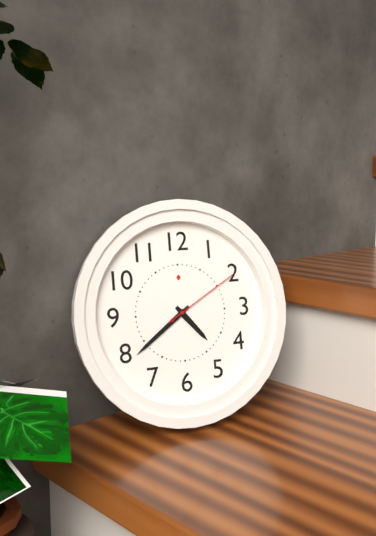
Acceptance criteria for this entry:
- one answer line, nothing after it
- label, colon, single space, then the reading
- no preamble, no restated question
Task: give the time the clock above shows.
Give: 4:39:10
